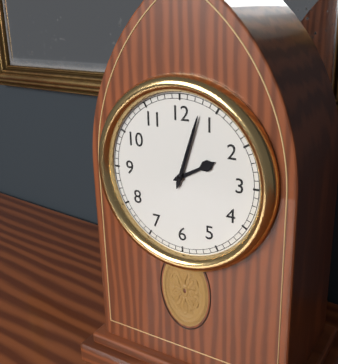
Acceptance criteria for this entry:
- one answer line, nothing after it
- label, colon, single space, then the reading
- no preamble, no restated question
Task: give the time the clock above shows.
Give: 2:03
